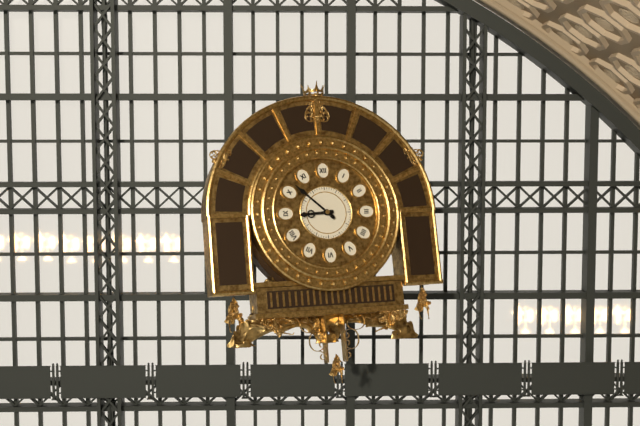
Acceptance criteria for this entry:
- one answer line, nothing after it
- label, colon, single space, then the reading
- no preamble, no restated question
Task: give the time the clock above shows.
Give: 8:52
